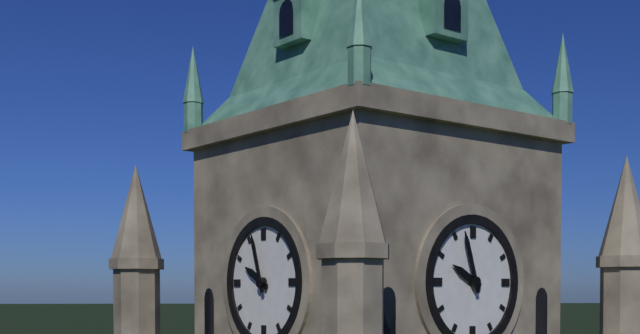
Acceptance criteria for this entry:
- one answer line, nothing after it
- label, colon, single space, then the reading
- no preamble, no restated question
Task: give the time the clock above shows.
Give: 9:57
